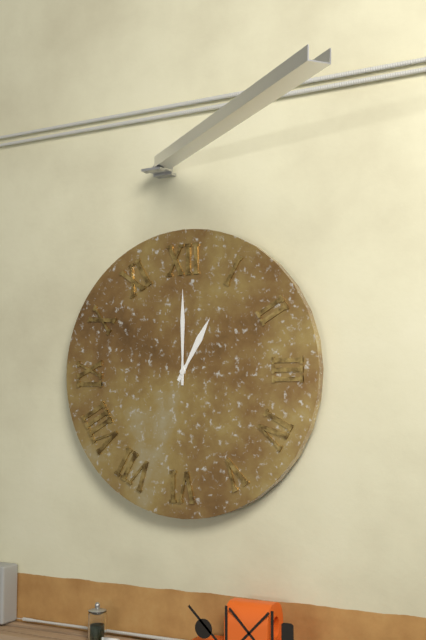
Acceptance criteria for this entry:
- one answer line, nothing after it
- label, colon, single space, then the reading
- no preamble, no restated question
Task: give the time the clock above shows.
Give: 1:00
